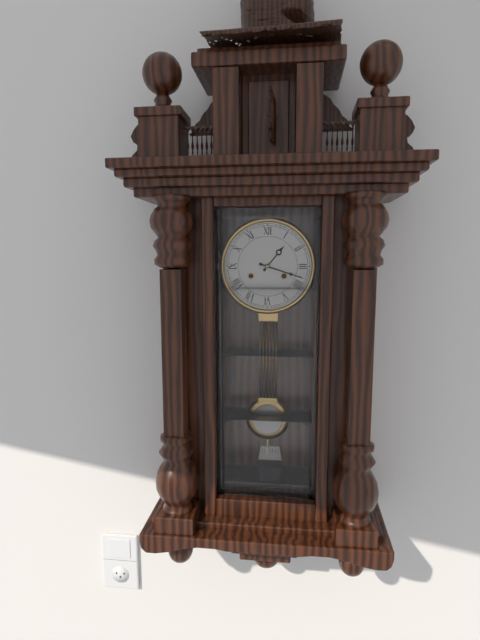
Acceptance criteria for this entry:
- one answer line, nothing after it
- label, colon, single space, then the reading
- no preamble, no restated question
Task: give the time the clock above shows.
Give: 1:18
